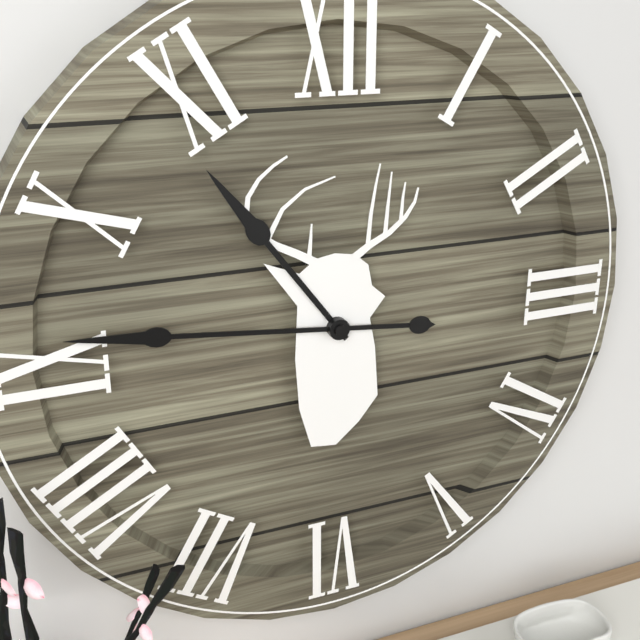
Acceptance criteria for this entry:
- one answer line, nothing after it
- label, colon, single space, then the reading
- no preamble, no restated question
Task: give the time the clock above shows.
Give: 10:46
